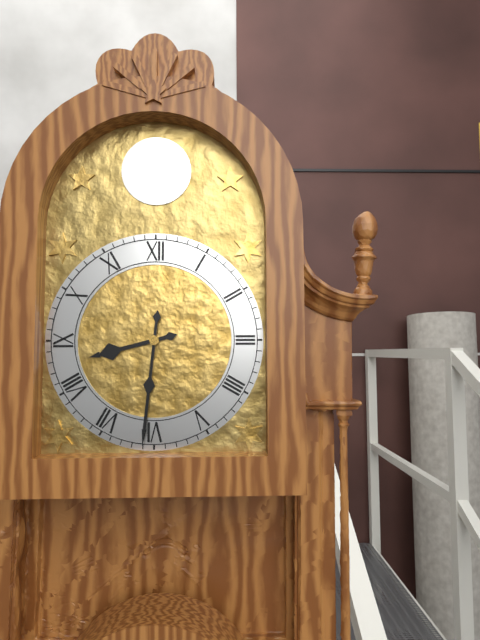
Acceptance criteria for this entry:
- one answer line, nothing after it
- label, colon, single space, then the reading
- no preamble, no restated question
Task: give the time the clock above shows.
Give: 8:31
